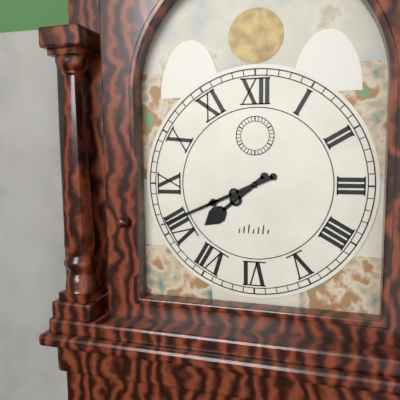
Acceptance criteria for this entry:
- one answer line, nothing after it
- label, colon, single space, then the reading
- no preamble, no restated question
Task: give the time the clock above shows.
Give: 7:41
